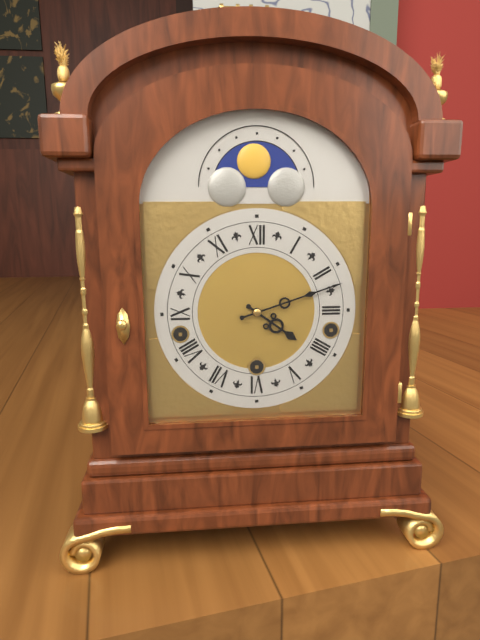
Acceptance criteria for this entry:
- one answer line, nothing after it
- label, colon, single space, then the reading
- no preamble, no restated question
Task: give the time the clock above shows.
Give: 4:12
